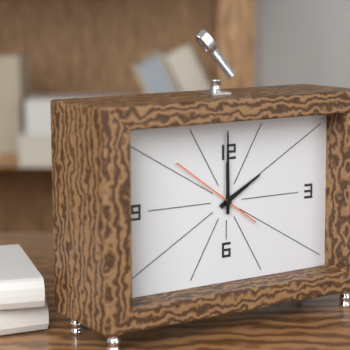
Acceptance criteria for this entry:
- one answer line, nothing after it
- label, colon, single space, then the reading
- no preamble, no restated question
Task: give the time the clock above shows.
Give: 2:00:51
